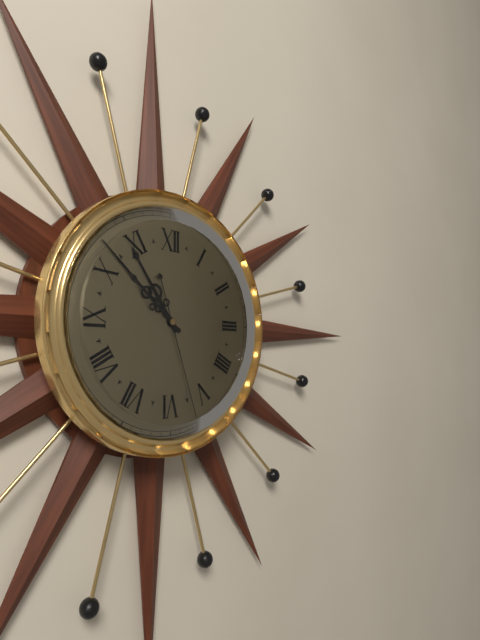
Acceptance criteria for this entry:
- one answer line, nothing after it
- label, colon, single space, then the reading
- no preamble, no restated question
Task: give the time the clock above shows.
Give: 10:52:27
